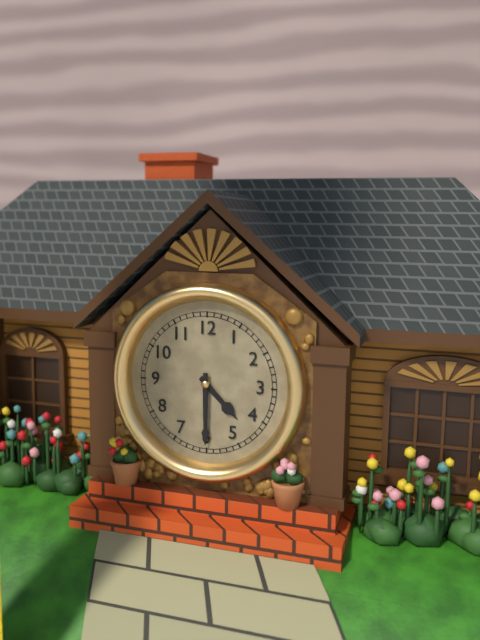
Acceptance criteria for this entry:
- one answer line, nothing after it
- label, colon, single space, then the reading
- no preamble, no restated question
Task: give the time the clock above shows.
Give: 4:30
